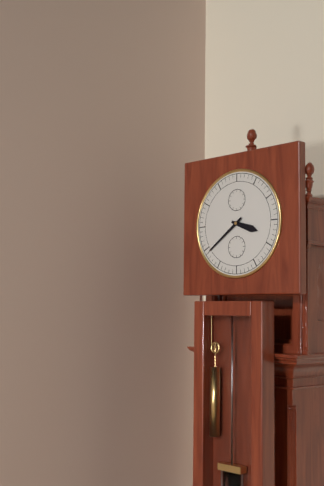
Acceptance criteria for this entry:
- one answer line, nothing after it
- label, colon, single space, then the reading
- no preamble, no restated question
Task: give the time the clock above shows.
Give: 3:39
